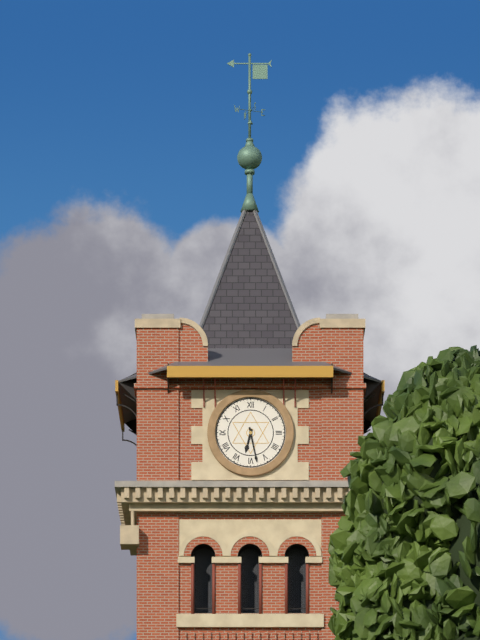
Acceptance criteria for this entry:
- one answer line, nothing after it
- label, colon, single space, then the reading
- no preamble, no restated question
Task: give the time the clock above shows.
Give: 6:28
